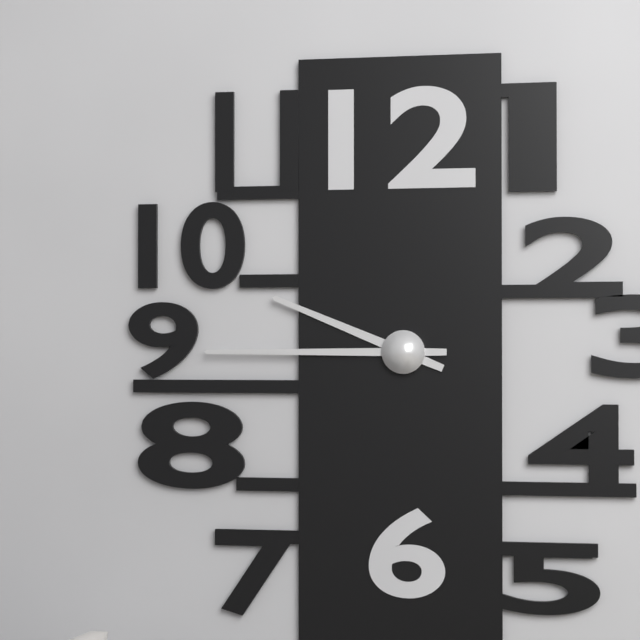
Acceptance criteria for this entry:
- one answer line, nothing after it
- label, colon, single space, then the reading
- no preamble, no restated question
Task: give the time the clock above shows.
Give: 9:45
